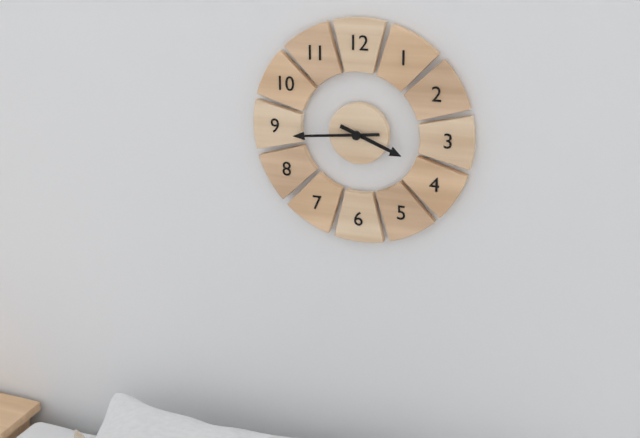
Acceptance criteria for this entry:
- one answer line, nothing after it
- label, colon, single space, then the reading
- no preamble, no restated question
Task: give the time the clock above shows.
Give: 3:44
